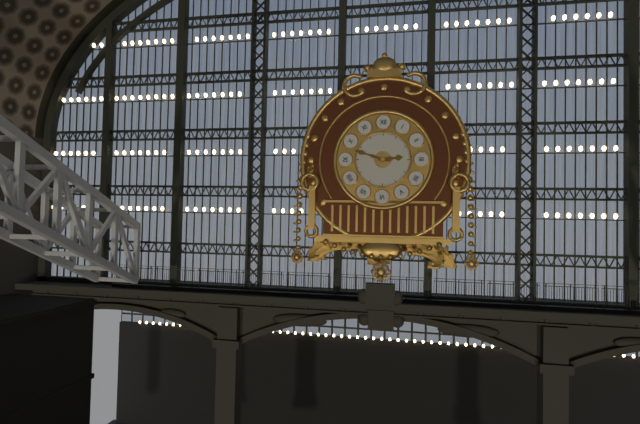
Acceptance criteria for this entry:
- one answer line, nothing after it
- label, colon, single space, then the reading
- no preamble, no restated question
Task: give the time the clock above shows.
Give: 2:48
